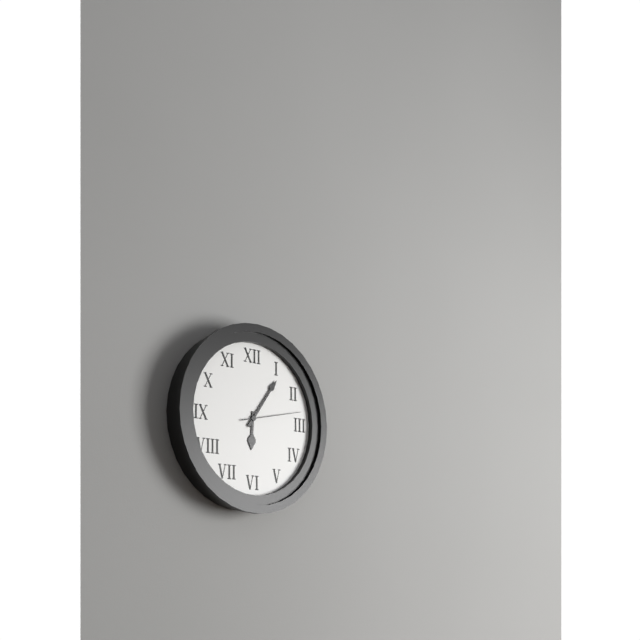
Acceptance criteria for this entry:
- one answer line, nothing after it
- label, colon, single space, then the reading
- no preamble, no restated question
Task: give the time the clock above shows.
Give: 6:06:13
